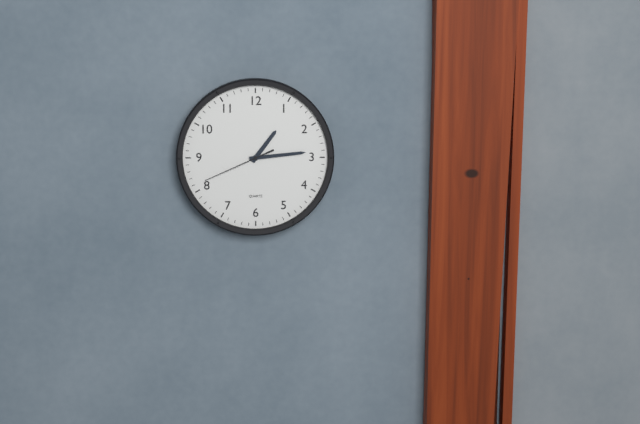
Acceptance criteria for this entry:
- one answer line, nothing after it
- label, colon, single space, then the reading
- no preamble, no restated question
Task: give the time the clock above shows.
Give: 1:14:41
